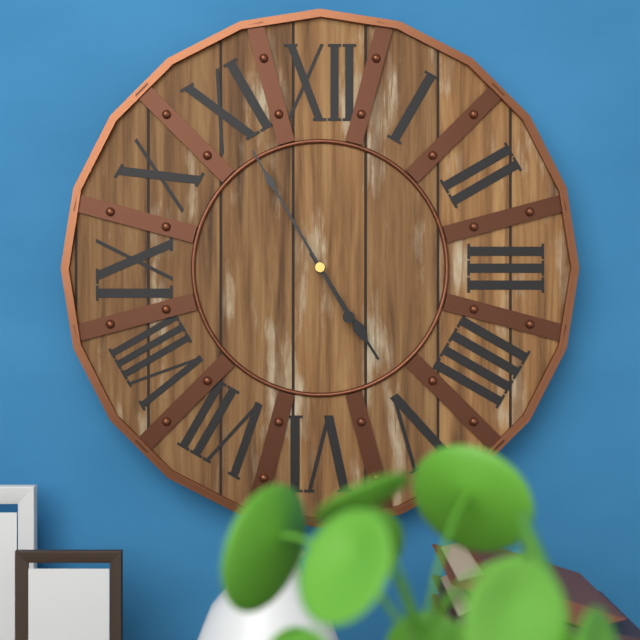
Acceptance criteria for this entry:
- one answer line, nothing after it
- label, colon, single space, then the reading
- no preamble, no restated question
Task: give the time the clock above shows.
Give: 4:55
